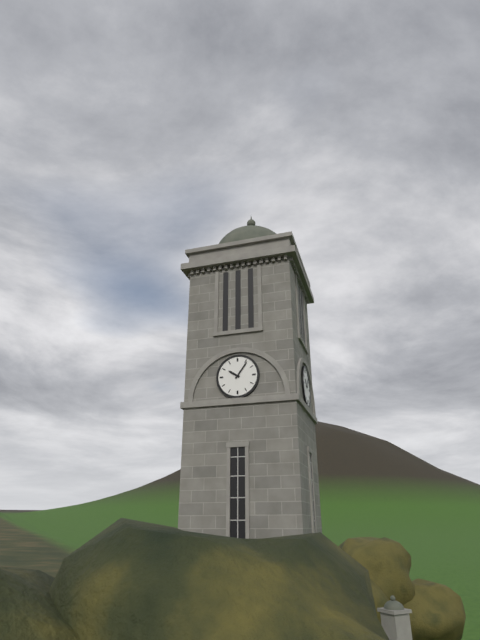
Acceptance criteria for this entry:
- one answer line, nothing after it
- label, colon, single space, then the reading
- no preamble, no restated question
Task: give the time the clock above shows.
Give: 10:06
